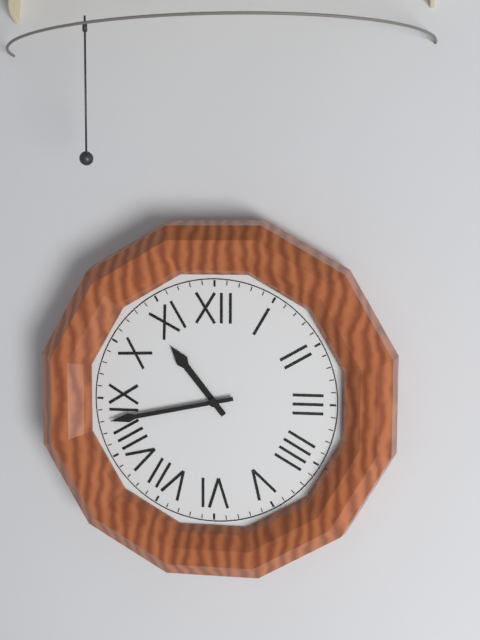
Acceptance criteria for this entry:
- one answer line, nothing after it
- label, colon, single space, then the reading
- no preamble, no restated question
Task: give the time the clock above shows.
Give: 10:43
